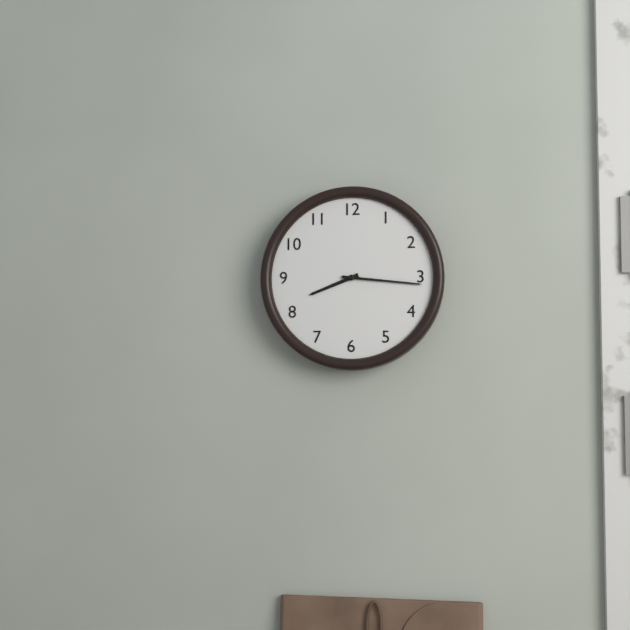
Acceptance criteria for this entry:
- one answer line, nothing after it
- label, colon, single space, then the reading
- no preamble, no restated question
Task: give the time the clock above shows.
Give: 8:16
